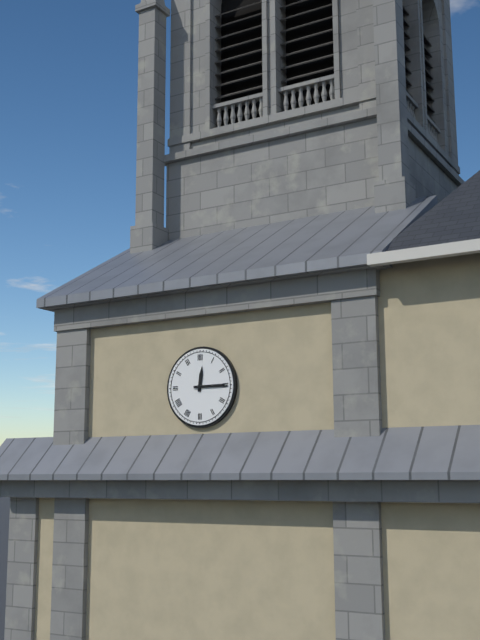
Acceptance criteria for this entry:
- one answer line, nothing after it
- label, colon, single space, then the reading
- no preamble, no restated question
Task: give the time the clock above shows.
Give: 12:15
